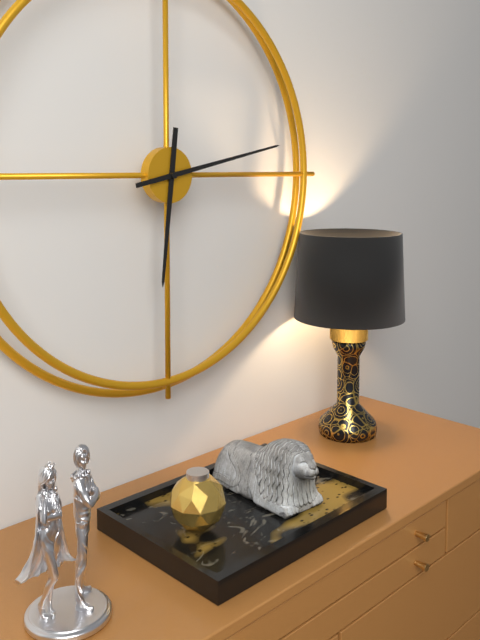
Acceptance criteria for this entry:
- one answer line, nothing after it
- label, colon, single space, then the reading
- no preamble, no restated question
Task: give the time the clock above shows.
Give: 6:13
